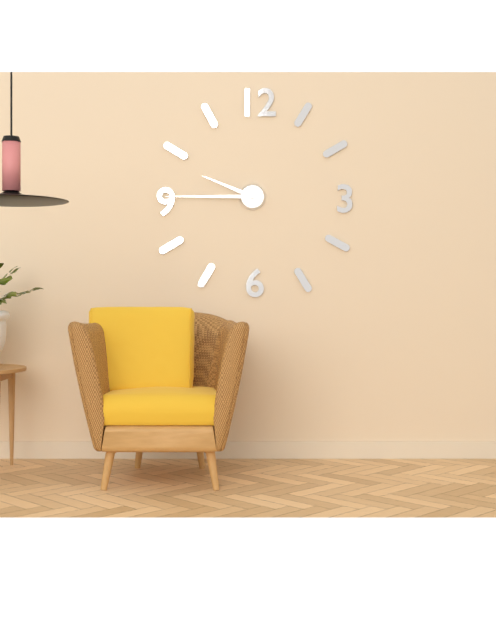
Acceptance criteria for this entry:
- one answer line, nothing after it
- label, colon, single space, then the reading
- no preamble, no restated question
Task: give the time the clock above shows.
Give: 9:45
